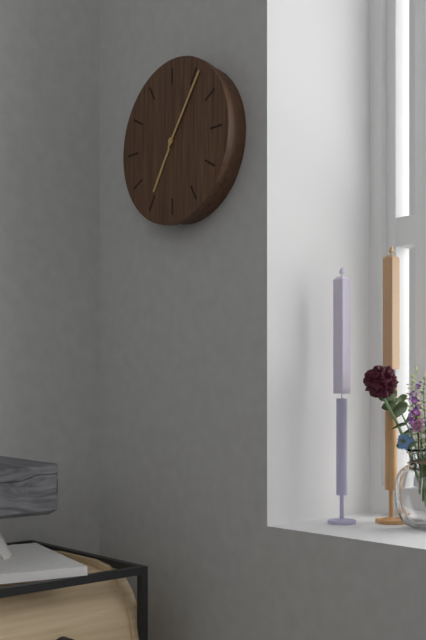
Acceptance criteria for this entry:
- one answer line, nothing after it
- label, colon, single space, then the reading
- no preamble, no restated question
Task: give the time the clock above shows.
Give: 7:06
